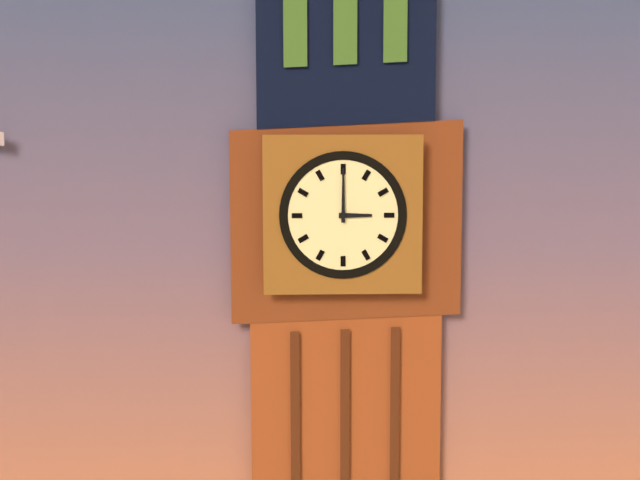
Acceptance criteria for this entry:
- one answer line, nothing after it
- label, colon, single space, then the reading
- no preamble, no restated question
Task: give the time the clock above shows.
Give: 3:00
